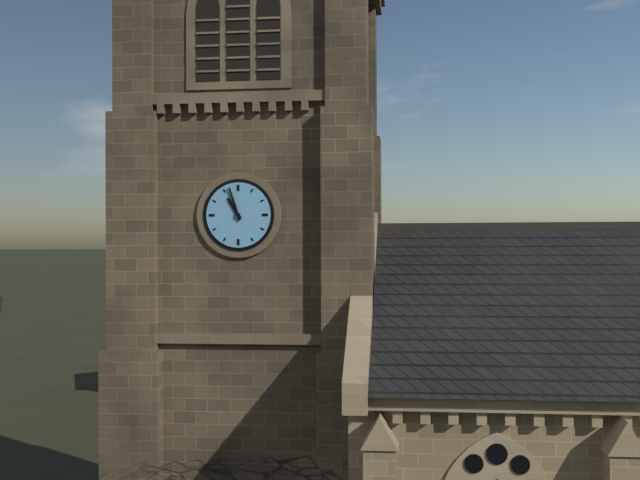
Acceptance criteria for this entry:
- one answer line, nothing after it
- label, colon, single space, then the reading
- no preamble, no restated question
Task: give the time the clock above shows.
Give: 10:57
